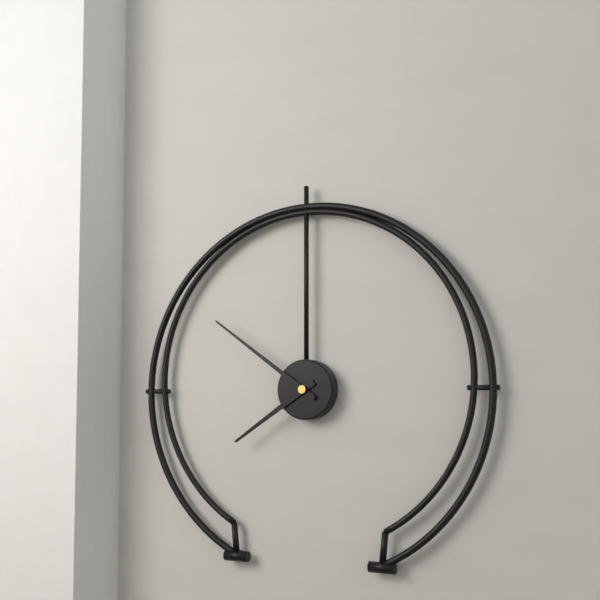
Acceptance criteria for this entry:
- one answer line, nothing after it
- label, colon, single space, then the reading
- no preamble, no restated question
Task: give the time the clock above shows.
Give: 7:51
